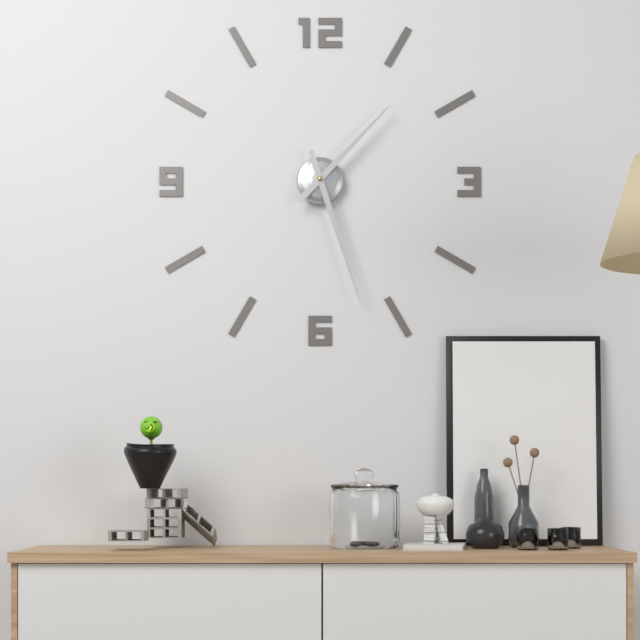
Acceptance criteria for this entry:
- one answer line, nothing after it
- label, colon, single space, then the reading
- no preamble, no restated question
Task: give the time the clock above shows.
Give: 1:27
